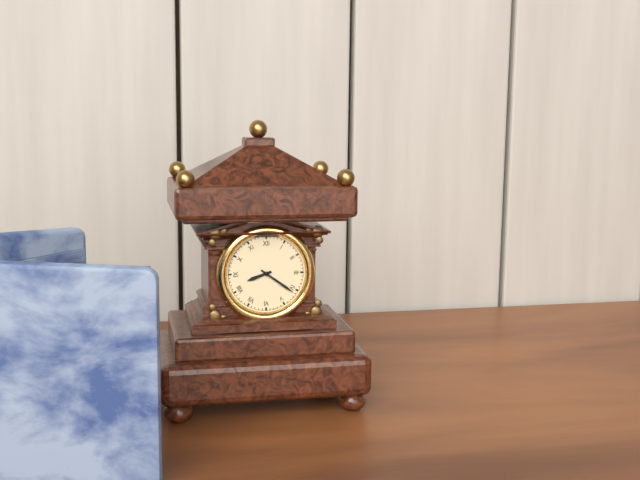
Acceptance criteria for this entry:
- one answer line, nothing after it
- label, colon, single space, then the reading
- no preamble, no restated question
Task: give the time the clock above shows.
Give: 8:21
